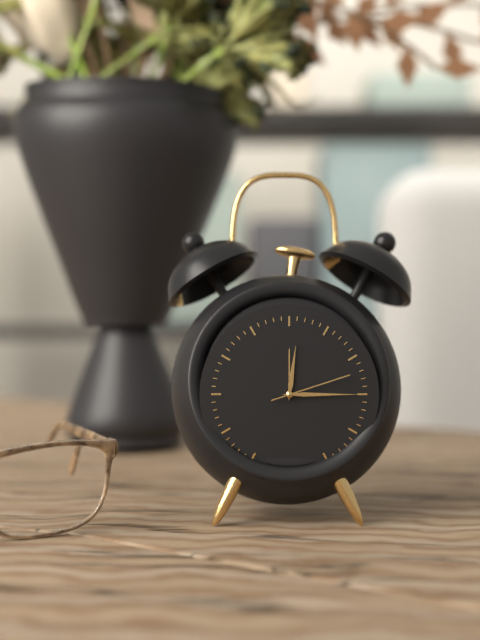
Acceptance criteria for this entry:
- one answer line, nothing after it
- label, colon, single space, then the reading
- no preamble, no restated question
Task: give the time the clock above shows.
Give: 12:15:12
